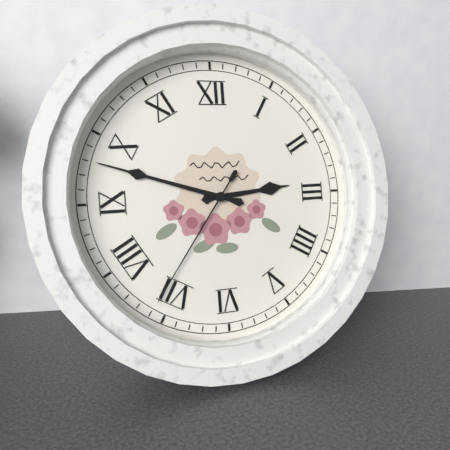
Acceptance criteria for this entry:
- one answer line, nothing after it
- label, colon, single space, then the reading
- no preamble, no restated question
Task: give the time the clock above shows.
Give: 2:48:36
